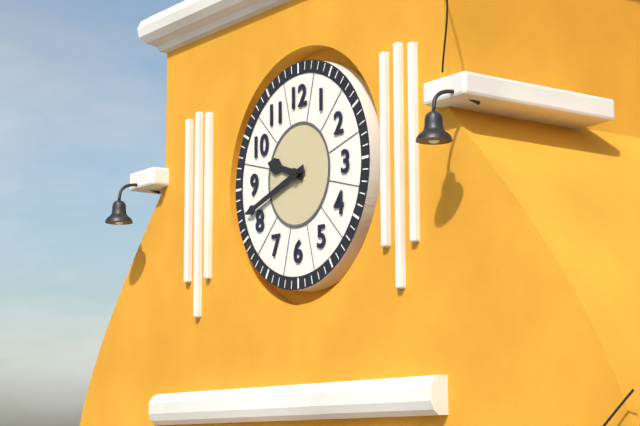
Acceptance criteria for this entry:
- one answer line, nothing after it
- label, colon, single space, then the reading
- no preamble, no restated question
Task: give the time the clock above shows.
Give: 9:42
